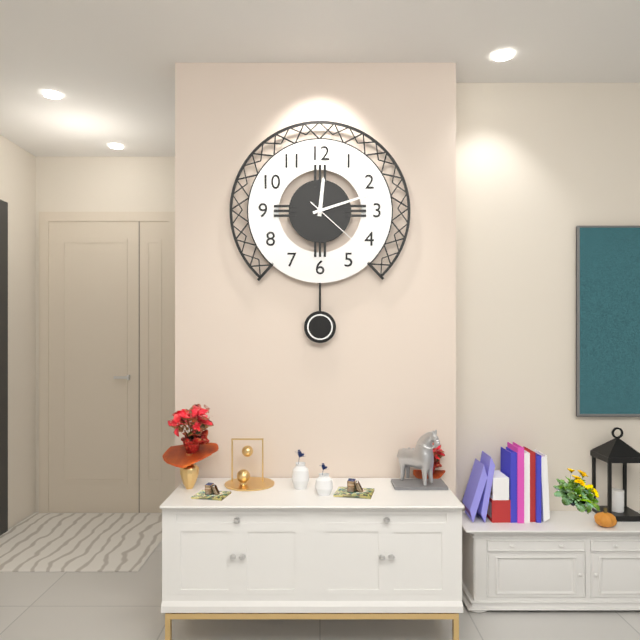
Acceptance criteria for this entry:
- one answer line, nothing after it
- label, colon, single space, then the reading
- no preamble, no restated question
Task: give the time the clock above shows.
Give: 12:12:22
